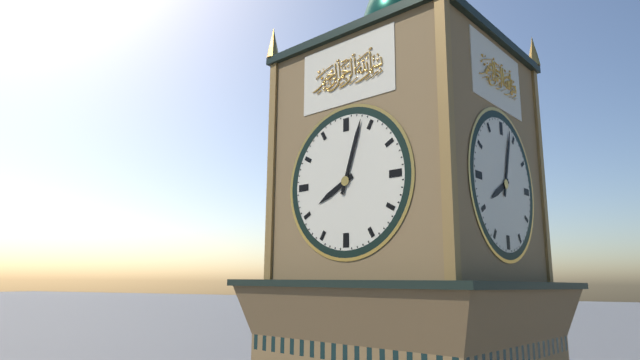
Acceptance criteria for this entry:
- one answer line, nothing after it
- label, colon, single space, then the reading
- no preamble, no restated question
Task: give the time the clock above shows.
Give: 8:03
